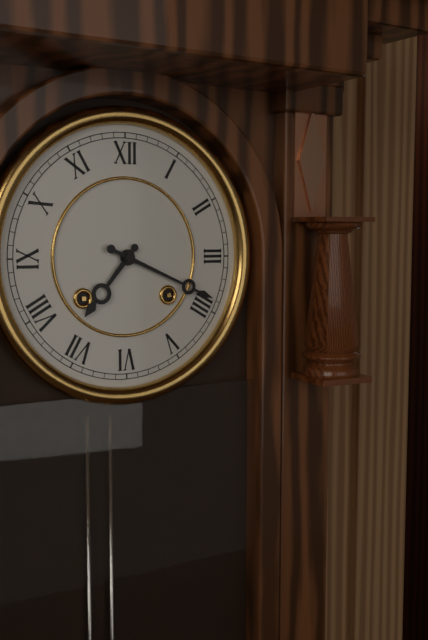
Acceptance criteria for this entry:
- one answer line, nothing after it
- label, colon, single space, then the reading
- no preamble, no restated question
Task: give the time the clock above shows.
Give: 7:19
